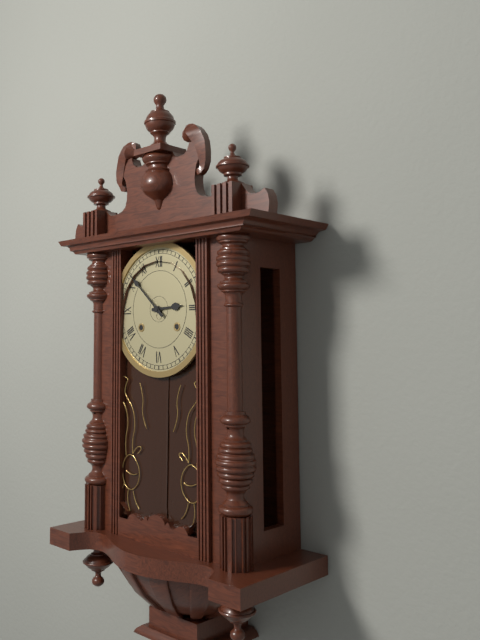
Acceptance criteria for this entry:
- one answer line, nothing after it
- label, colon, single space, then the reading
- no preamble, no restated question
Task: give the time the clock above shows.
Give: 2:52
